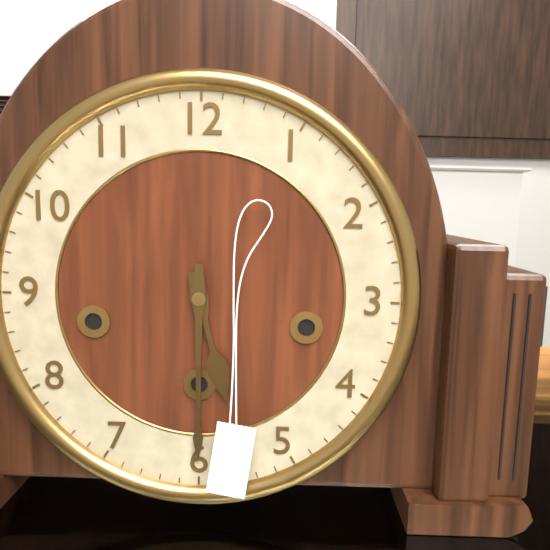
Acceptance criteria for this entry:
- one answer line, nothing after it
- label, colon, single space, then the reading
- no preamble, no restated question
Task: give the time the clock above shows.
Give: 5:30
